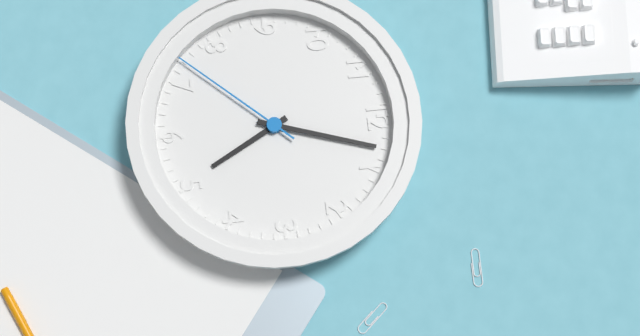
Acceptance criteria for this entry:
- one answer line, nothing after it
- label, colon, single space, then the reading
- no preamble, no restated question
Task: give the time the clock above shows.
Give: 5:03:37
